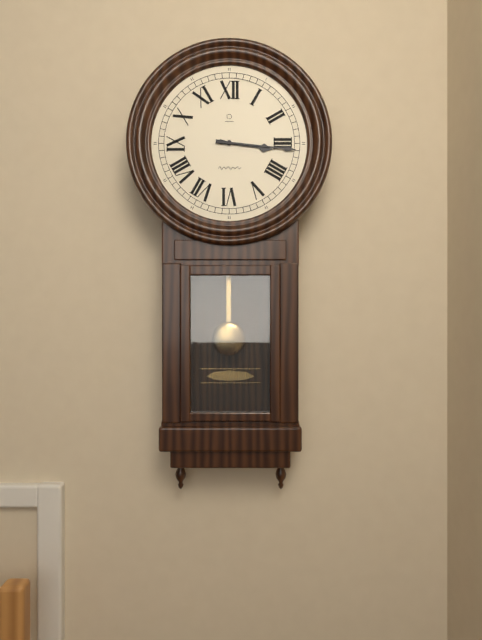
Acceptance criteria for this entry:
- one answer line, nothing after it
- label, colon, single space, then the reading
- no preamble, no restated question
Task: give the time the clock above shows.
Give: 3:16
